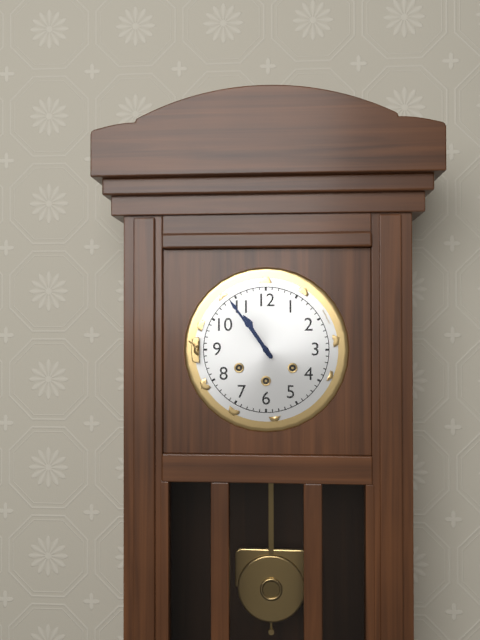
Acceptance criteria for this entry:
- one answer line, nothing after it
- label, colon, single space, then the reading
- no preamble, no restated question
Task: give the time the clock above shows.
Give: 10:54
